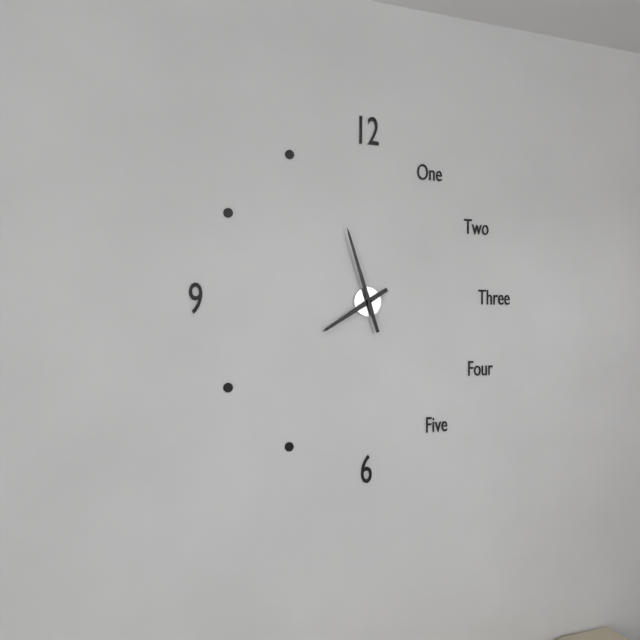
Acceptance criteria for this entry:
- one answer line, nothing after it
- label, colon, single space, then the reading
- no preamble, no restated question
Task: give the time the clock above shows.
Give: 7:57
